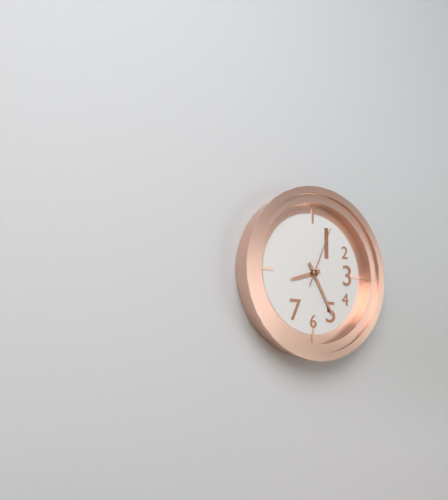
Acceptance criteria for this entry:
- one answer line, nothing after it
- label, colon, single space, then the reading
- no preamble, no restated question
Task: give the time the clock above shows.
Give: 8:25:04
